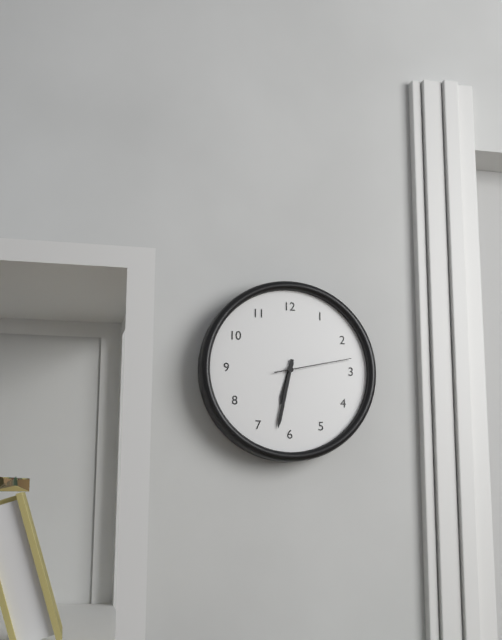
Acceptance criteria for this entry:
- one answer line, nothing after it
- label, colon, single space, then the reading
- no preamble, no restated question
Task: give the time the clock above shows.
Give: 6:32:13
